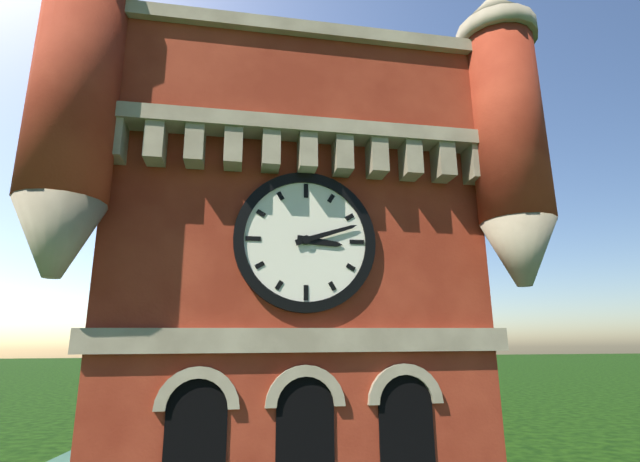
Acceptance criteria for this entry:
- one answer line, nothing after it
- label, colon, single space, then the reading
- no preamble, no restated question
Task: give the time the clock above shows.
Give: 3:12
